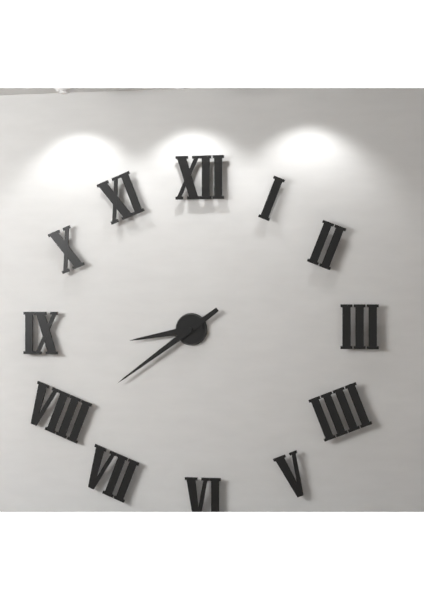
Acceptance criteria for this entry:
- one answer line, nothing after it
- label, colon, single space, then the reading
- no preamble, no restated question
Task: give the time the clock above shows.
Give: 8:39
